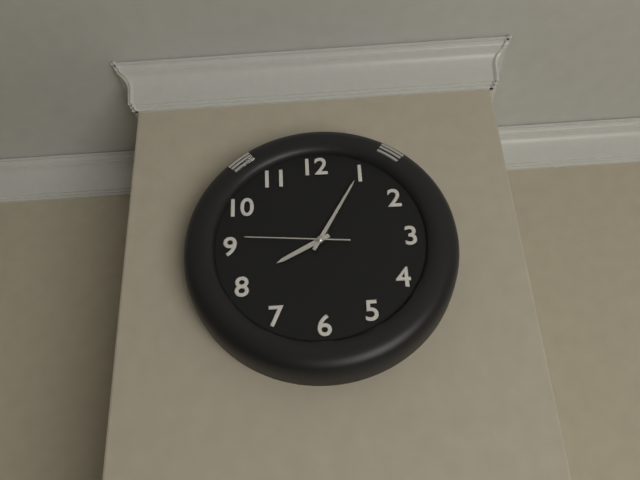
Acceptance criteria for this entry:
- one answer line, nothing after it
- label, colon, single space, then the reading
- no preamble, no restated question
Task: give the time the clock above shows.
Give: 8:05:46
